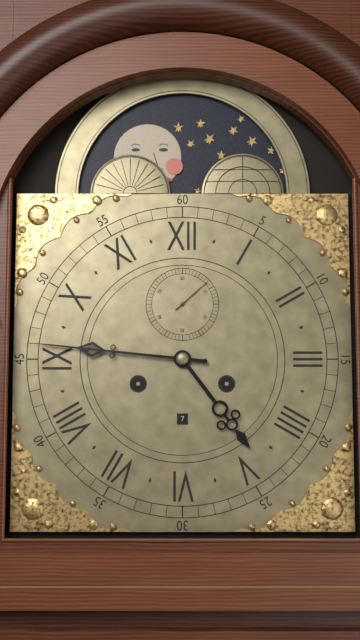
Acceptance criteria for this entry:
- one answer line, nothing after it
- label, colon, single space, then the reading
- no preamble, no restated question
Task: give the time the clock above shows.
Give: 4:46
